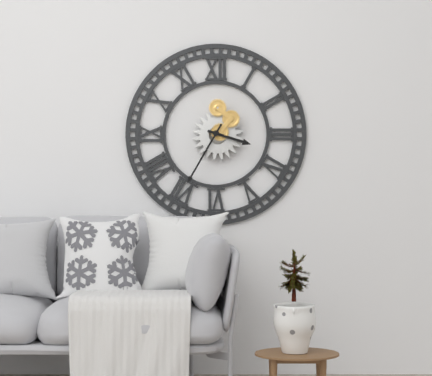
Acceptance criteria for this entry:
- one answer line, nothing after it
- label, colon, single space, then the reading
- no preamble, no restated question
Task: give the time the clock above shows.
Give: 3:35
